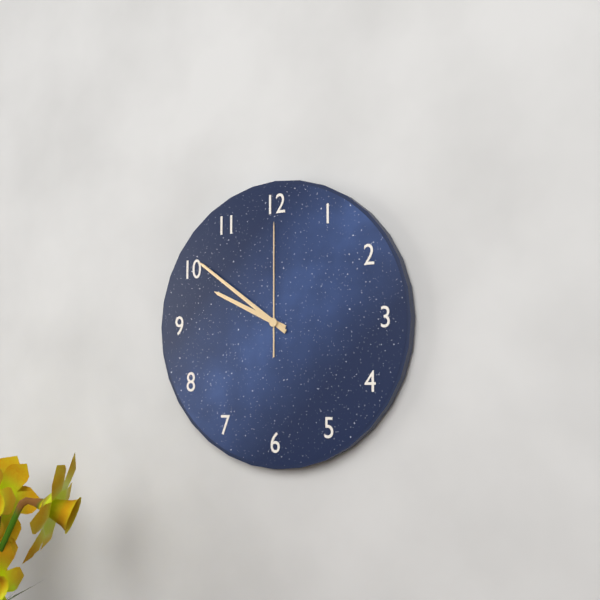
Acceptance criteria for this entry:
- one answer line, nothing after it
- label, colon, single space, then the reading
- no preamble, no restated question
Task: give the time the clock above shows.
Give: 9:51:00
